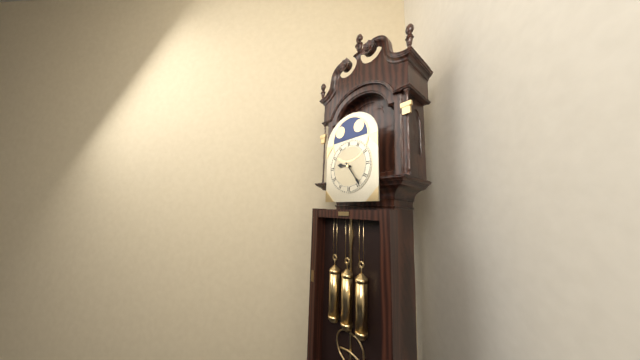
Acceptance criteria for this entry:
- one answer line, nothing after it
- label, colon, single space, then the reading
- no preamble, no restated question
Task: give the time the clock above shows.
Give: 9:24
